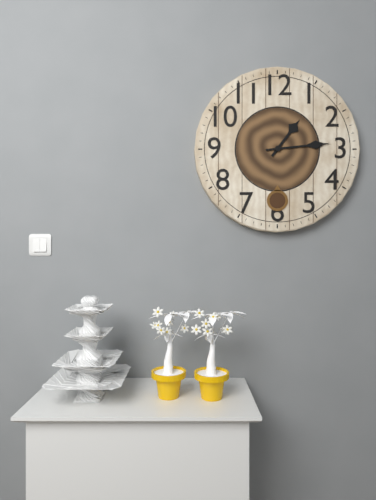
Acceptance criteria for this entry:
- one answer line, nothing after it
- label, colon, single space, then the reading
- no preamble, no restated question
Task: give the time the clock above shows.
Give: 1:14
